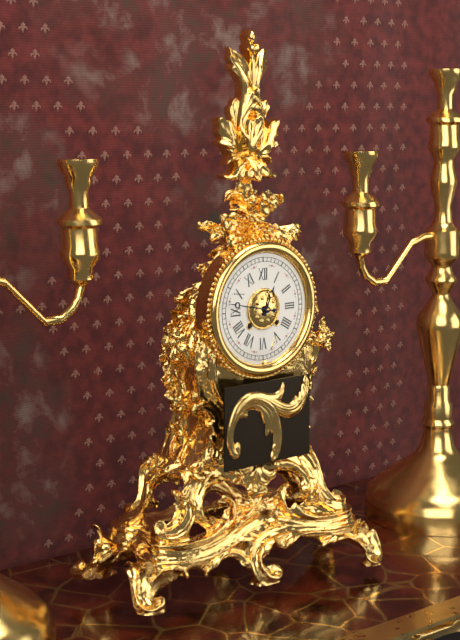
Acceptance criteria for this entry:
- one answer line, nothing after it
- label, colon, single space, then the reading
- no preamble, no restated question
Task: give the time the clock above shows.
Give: 12:47
